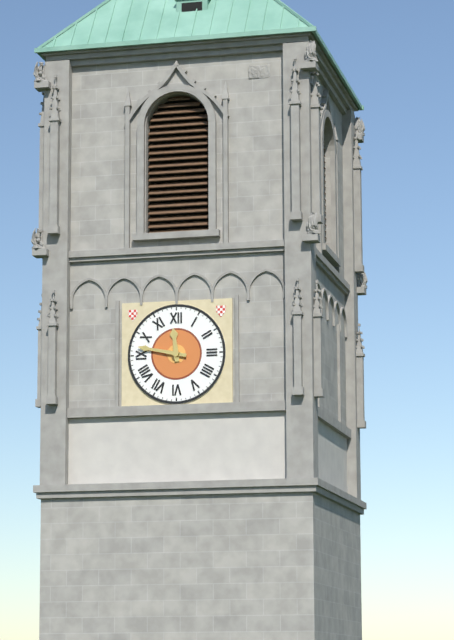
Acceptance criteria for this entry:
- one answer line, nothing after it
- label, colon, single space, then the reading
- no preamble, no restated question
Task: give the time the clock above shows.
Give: 11:47
